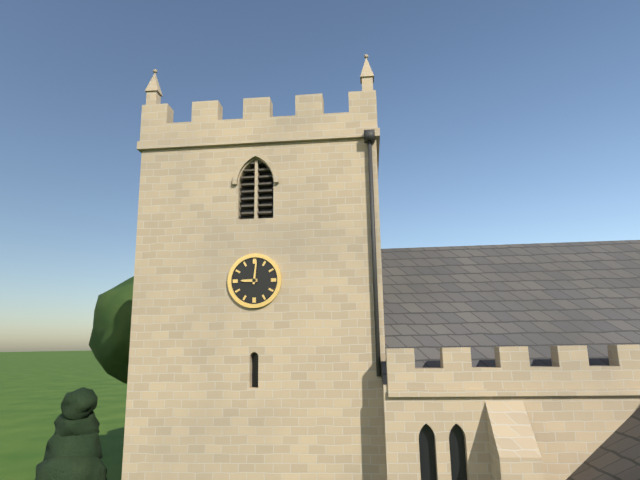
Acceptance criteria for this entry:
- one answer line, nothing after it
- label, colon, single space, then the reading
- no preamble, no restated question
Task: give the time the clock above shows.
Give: 9:01
